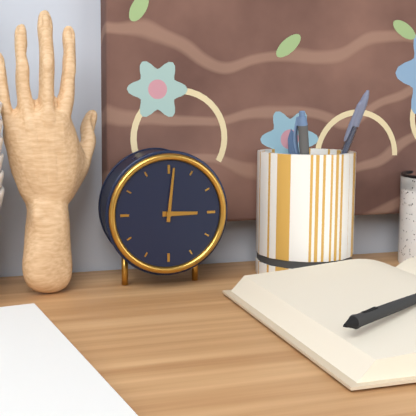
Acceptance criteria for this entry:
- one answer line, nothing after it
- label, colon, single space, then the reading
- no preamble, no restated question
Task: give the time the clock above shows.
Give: 3:01
